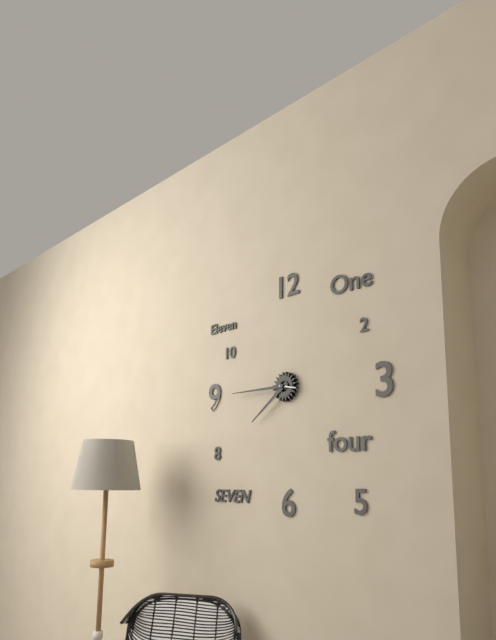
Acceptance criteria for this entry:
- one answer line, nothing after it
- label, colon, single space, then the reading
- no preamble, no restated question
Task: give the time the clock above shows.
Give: 7:45
